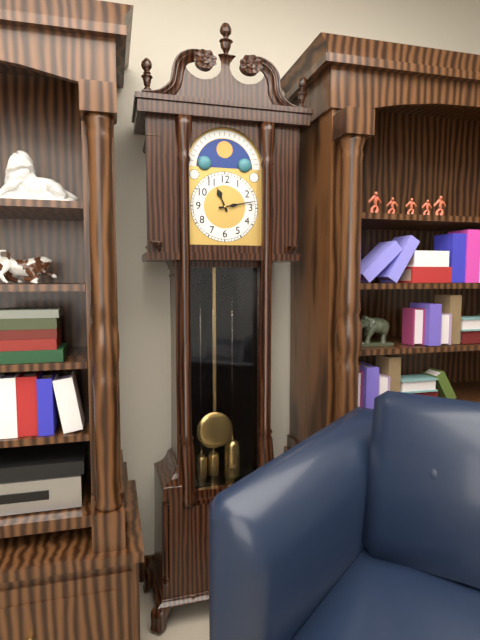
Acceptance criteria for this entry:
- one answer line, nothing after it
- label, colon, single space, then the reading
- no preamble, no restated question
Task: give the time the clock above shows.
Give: 11:13
